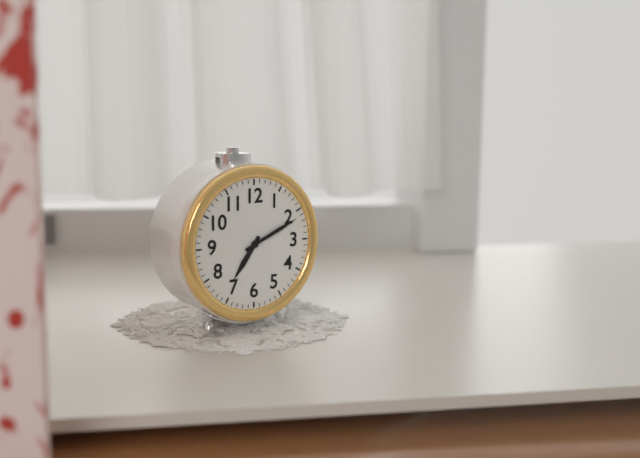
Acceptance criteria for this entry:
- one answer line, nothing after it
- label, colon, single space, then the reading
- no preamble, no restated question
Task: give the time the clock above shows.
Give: 7:11
